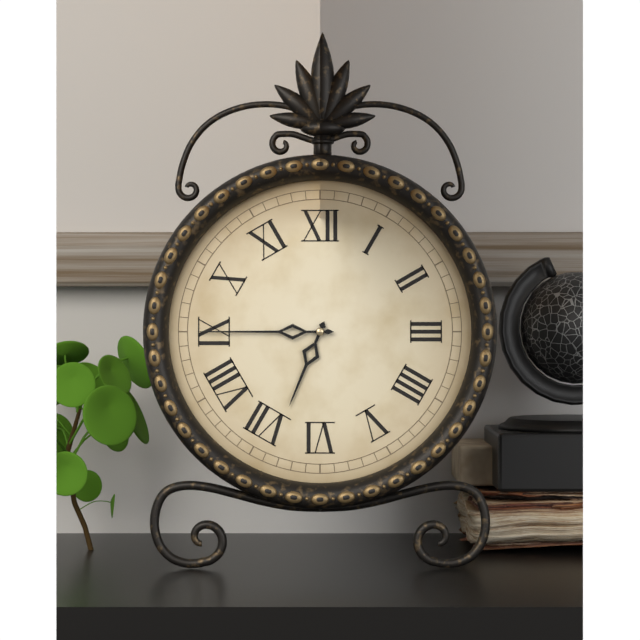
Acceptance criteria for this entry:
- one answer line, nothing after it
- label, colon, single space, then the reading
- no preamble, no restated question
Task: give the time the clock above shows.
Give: 6:45
